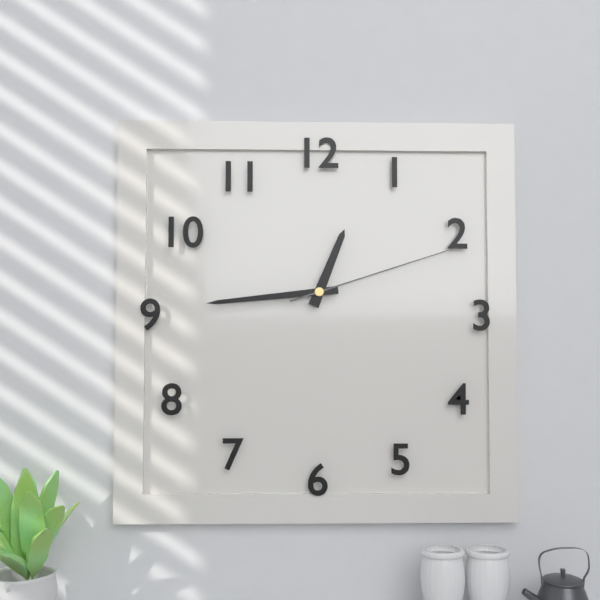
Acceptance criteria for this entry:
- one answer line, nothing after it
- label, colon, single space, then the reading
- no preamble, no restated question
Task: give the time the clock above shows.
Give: 12:44:12
